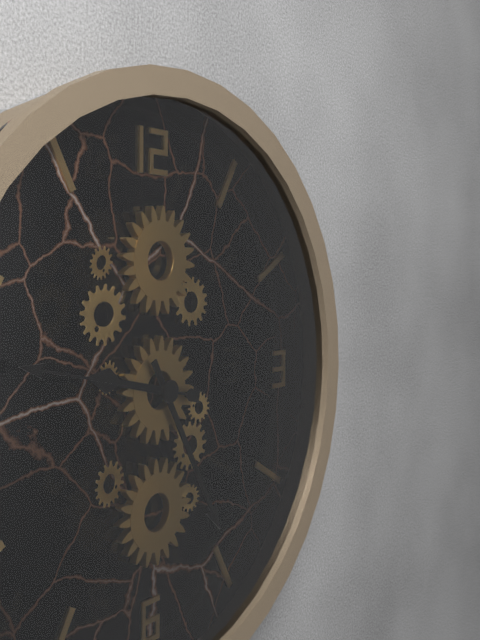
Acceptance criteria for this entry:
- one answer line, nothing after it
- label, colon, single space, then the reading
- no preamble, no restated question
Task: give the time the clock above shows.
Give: 9:25:47
